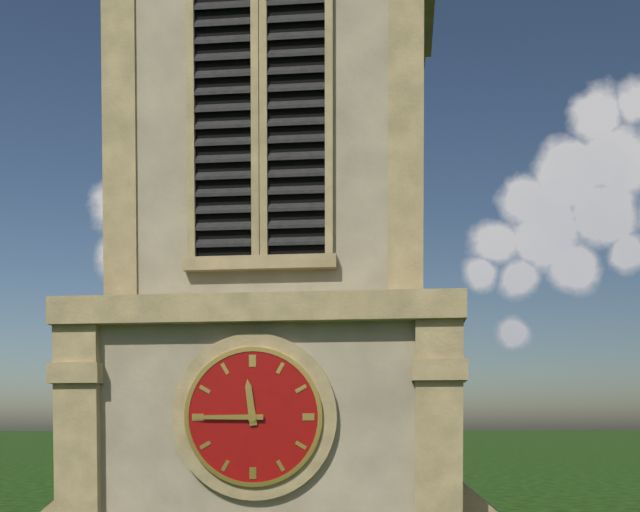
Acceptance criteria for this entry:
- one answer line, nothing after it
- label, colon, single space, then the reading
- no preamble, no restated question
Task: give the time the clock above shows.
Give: 11:45
